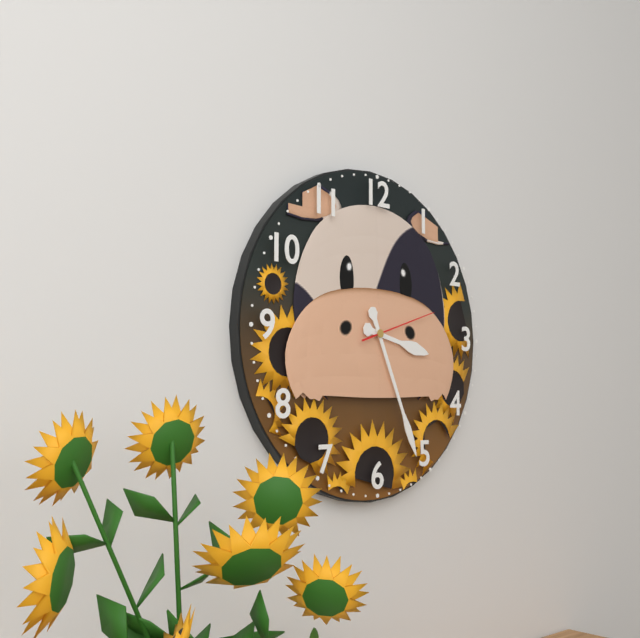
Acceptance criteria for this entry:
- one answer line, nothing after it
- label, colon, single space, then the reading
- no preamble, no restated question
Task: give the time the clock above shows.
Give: 3:26:12
